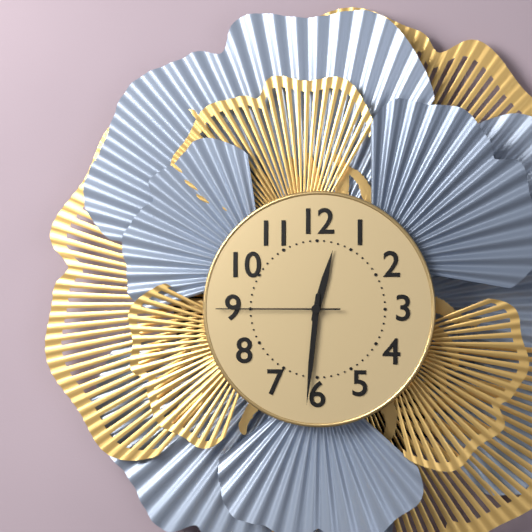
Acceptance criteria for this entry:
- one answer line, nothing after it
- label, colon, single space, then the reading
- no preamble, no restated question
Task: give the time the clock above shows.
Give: 12:31:45
